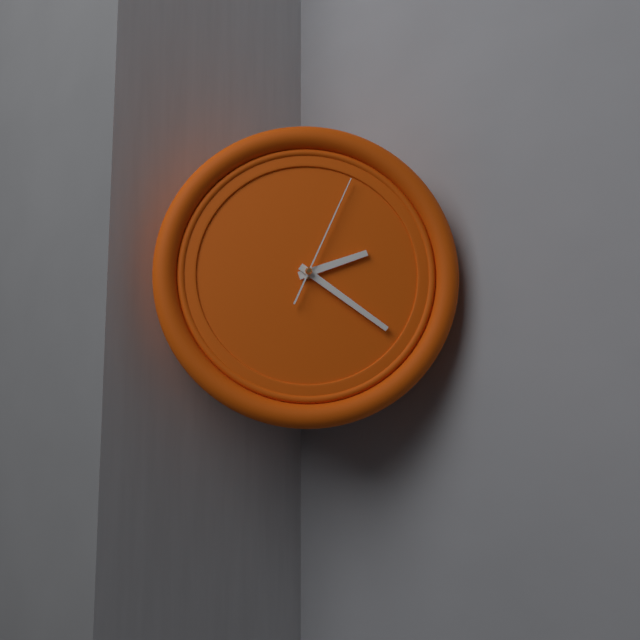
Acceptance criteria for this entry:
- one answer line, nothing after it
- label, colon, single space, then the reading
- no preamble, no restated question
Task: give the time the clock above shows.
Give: 2:21:04
